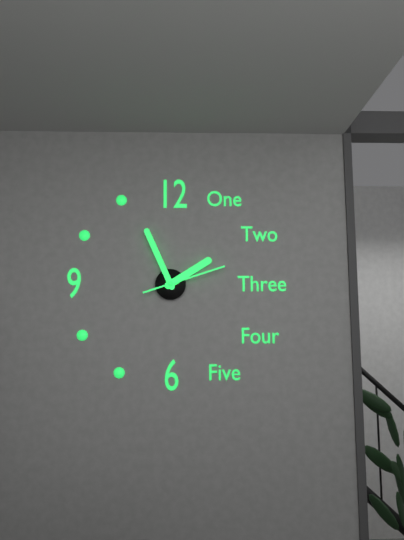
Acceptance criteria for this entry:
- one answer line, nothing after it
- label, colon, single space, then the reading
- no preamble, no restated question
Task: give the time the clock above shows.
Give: 1:56:12
